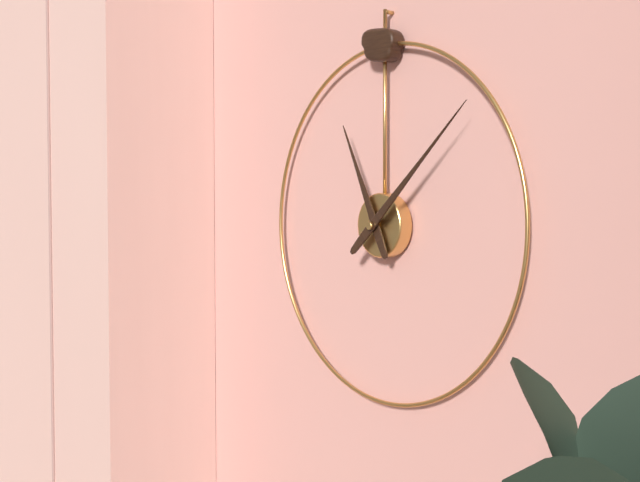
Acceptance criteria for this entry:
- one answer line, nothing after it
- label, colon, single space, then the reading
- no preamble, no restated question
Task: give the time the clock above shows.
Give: 11:08
